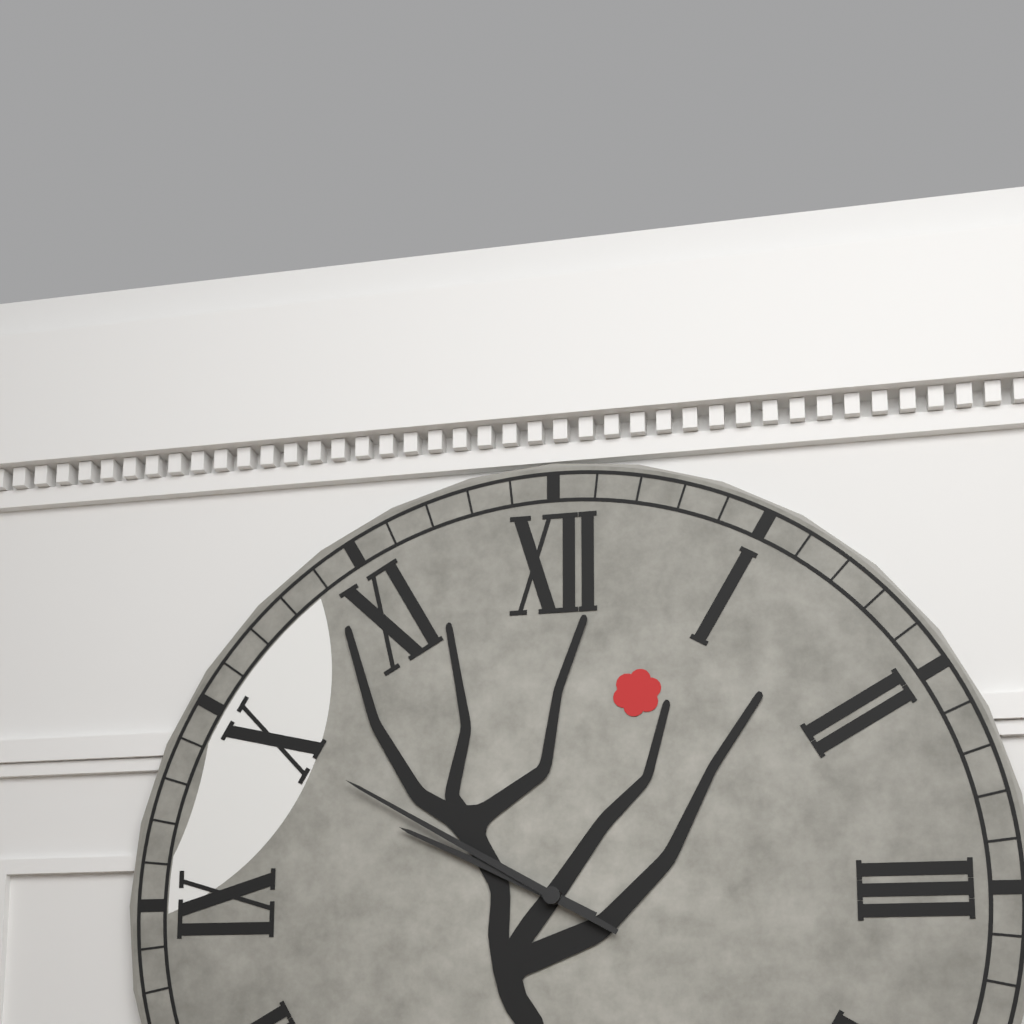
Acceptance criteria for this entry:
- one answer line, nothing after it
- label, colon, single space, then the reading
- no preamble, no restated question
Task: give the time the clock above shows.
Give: 9:50
